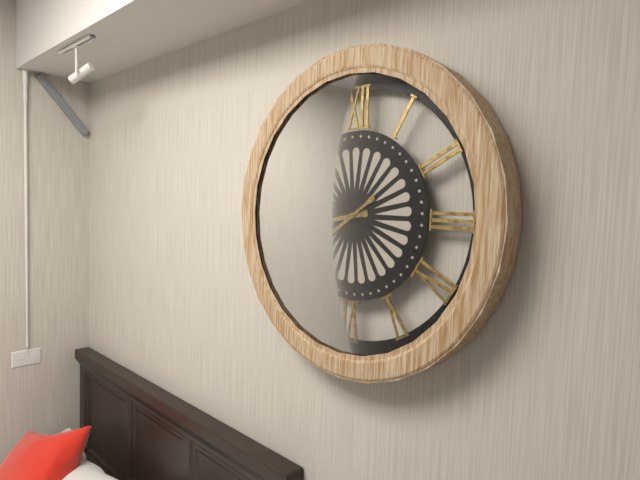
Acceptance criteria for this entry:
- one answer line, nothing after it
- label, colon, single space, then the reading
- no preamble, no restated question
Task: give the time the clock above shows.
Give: 8:39
